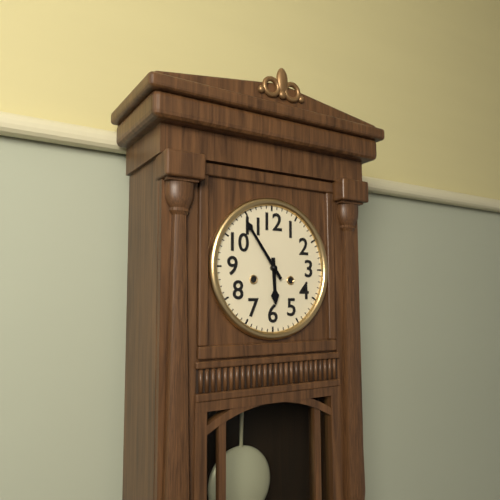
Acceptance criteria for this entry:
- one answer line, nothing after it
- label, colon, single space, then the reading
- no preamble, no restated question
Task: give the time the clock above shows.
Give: 5:54
